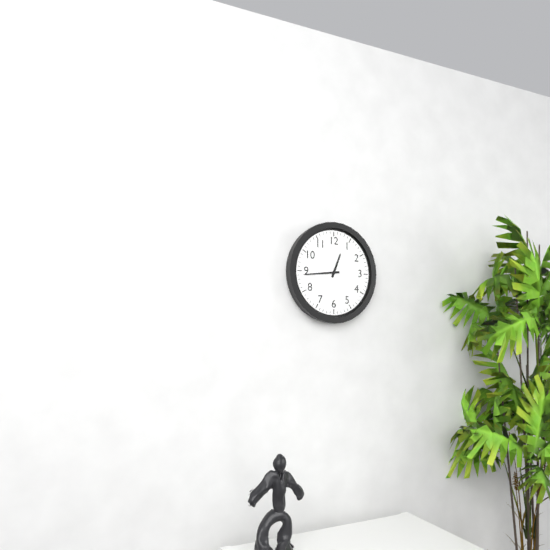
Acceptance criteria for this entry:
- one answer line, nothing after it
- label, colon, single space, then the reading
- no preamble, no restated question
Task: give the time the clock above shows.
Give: 12:44
